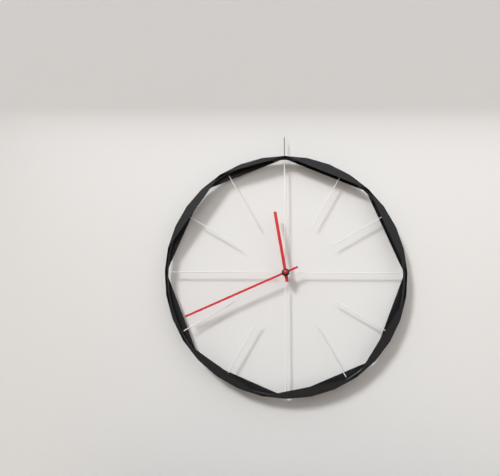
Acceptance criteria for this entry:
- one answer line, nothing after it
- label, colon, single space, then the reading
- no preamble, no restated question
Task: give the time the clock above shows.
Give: 11:41
